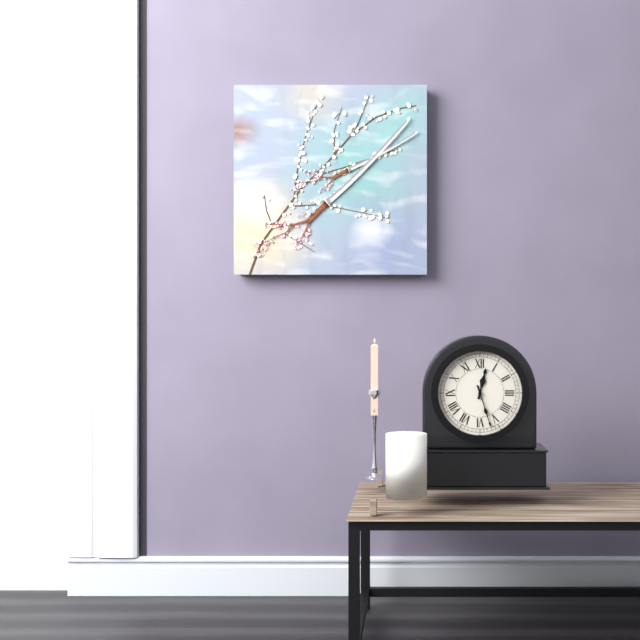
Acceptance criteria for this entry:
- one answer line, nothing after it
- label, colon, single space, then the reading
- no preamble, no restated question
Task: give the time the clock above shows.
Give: 12:27
